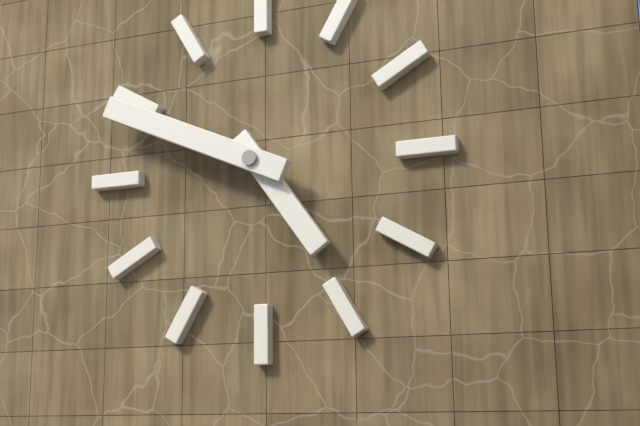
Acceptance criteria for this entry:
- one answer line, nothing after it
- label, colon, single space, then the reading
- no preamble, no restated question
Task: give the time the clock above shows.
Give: 4:49
